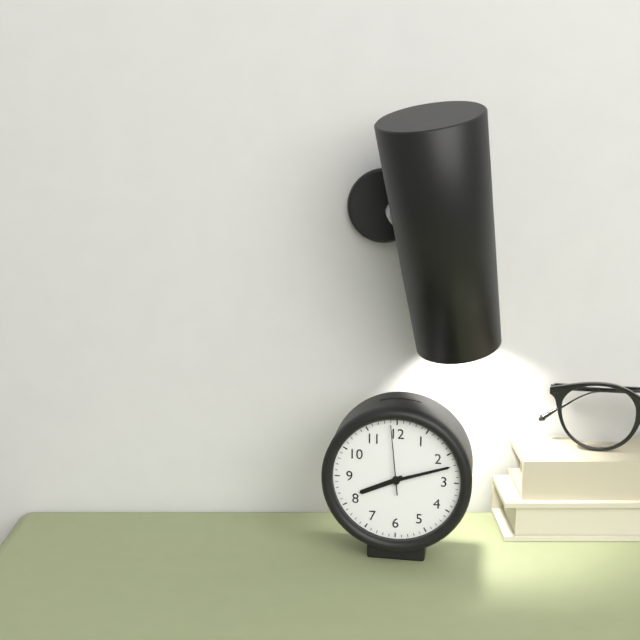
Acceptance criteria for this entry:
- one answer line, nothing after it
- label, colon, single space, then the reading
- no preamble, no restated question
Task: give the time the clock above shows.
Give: 8:12:59
